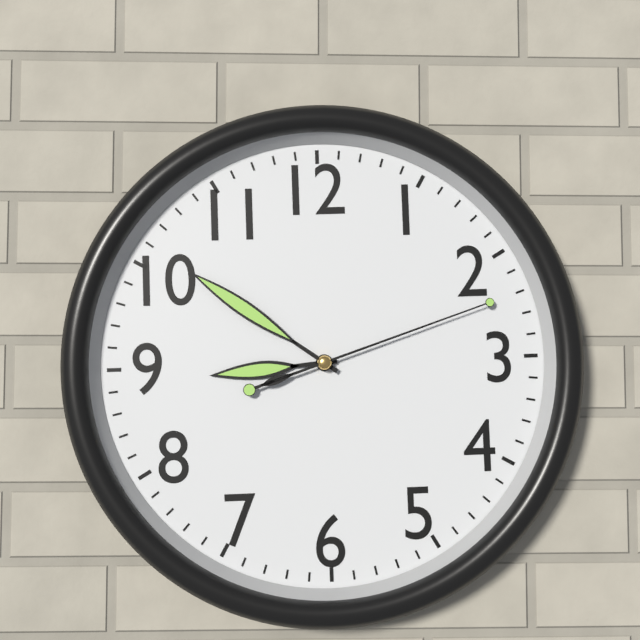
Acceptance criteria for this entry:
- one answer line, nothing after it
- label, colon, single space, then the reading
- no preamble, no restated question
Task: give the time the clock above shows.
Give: 8:51:12
